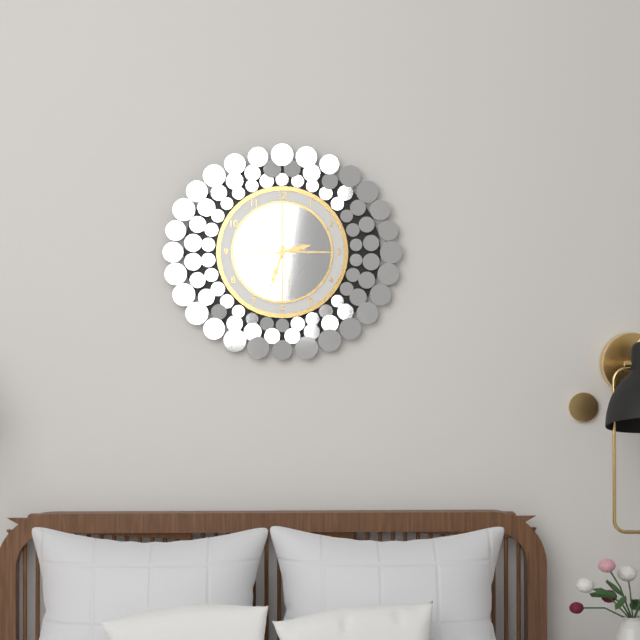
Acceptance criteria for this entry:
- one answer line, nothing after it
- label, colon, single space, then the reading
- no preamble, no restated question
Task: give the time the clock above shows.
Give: 2:33:28
